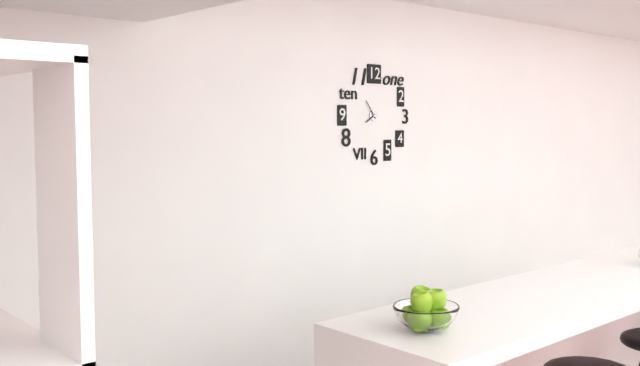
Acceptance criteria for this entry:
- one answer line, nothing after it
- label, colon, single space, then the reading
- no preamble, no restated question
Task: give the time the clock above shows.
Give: 7:54
